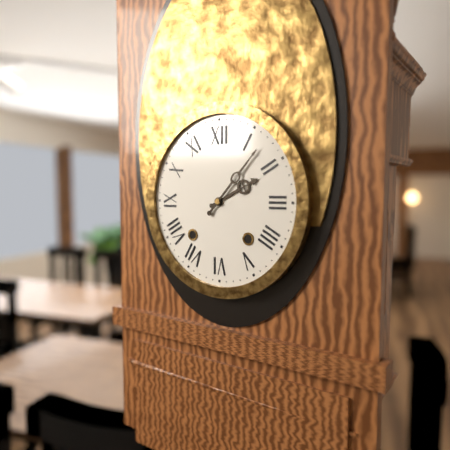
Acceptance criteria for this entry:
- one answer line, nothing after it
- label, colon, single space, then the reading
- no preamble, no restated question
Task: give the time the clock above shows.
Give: 2:07
